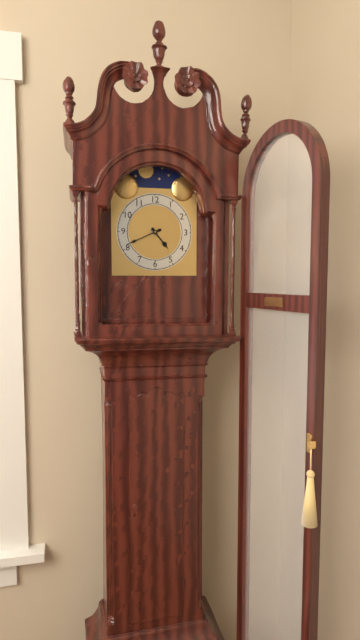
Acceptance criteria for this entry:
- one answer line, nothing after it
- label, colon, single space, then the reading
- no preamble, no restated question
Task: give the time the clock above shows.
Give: 4:41
